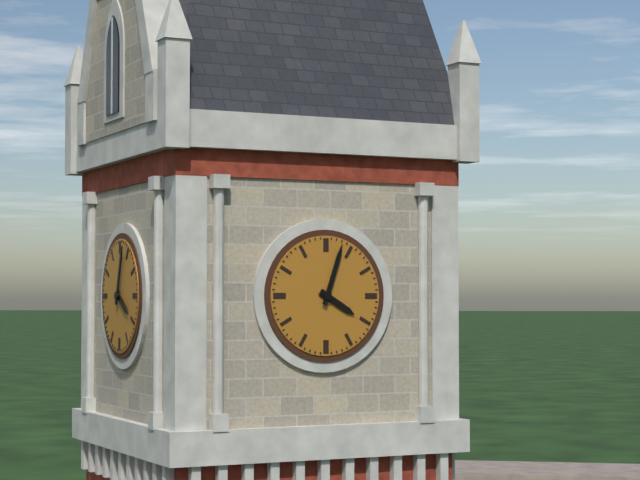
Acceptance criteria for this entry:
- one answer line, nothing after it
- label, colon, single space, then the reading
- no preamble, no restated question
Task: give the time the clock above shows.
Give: 4:03
